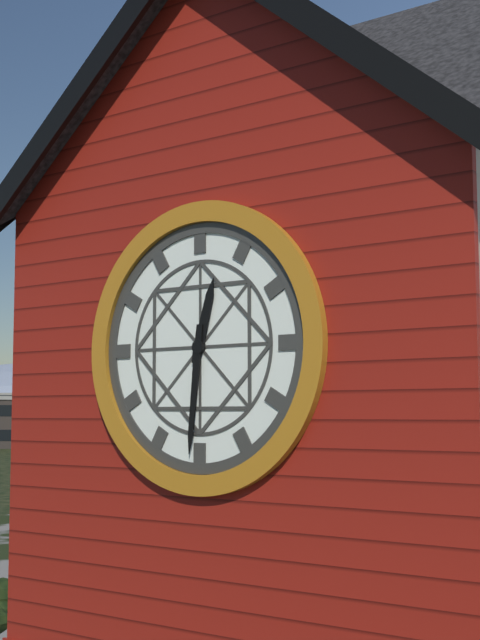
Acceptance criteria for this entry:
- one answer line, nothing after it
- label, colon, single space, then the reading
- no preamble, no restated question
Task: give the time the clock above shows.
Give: 12:31
